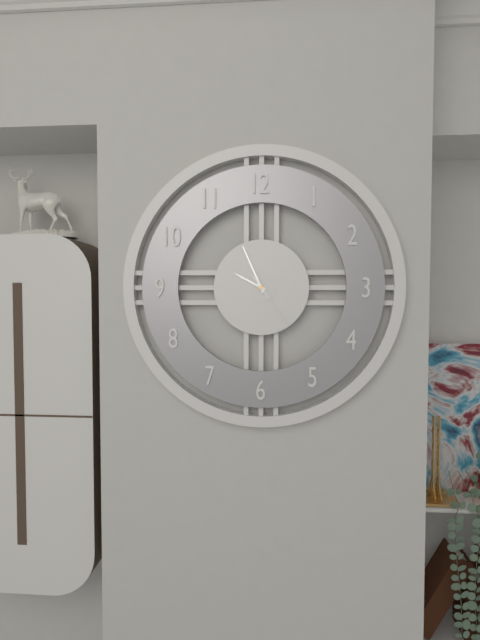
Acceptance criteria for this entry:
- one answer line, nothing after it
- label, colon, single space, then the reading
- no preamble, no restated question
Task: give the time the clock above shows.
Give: 9:56:24
